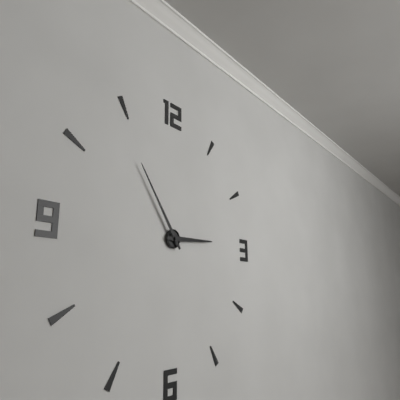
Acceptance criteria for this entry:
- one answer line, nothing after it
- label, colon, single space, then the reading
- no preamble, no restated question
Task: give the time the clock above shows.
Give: 2:54
